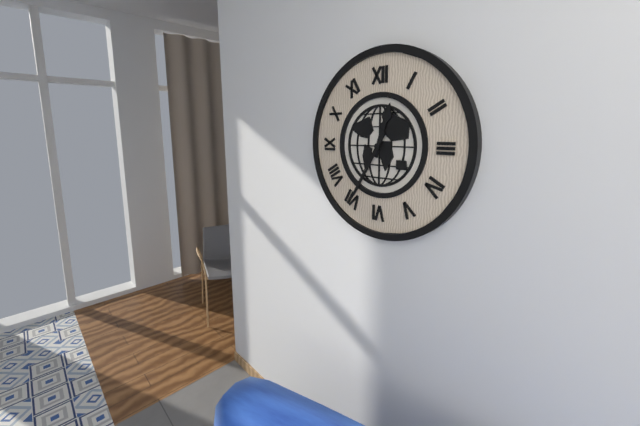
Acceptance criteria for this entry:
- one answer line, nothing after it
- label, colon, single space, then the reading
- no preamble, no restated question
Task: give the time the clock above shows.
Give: 12:35
